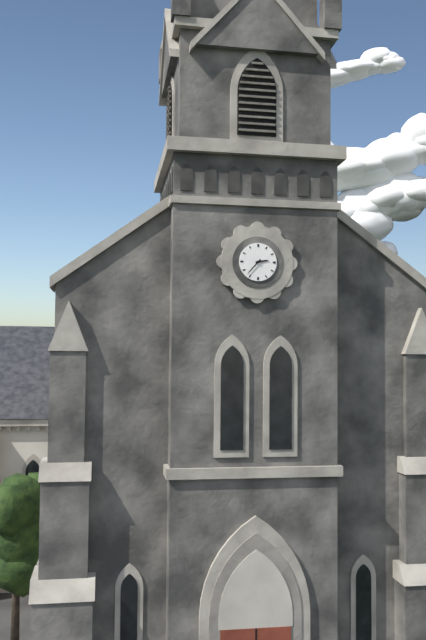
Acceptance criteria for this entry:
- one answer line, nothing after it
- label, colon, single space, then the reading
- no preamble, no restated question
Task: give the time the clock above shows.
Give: 2:37
